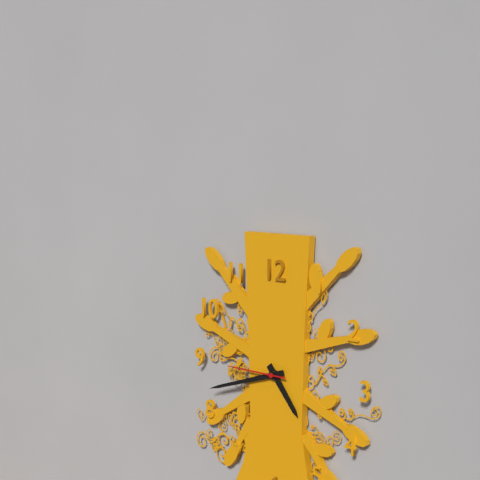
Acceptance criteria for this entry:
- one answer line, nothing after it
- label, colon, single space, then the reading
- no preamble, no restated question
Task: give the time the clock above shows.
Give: 4:42:45
